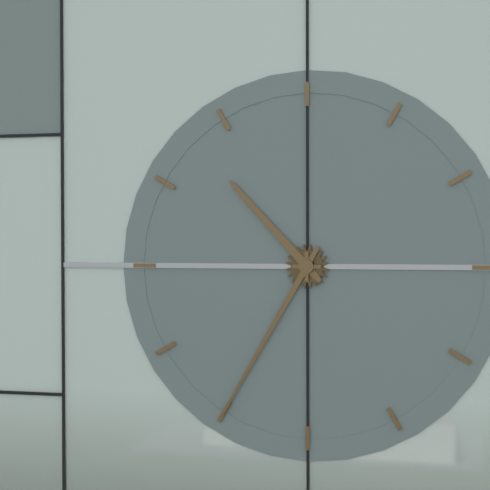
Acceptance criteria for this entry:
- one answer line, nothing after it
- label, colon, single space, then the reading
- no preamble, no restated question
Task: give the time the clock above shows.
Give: 10:35
